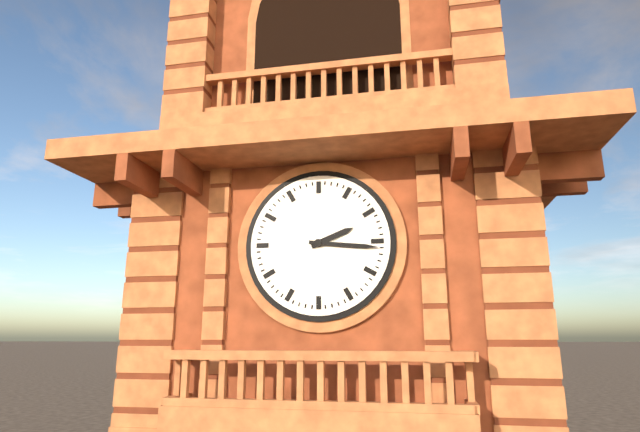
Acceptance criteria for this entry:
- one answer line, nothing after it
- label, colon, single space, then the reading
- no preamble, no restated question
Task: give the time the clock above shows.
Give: 2:16
